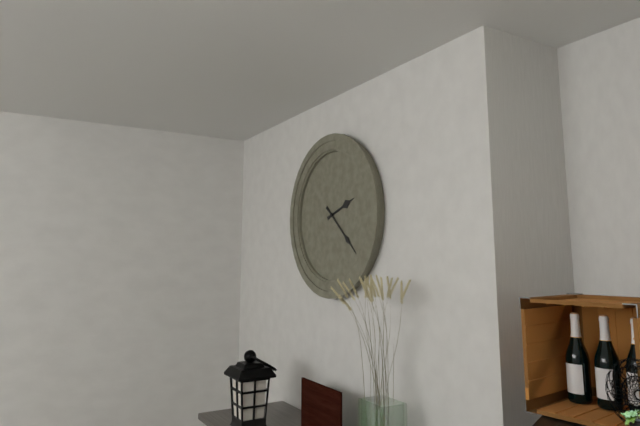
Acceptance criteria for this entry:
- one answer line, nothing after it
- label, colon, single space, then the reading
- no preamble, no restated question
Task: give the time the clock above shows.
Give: 2:22
